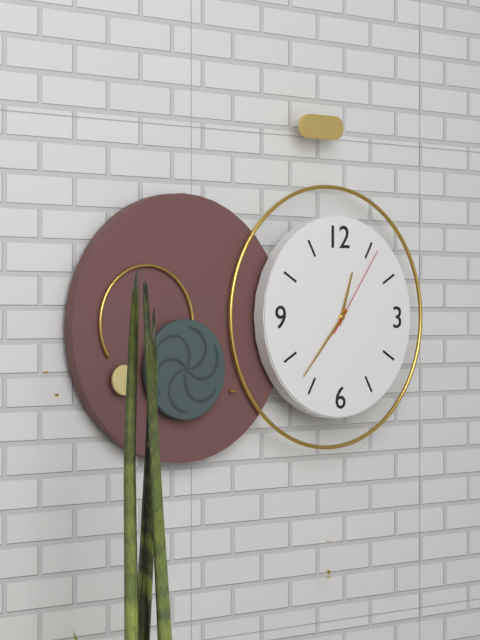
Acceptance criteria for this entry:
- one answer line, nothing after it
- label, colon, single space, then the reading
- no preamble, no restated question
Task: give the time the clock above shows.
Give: 12:37:06
